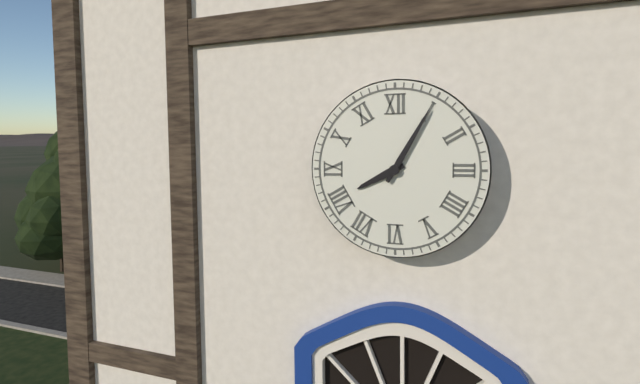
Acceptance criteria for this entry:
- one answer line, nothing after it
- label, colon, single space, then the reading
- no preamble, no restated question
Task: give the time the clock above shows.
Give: 8:05
